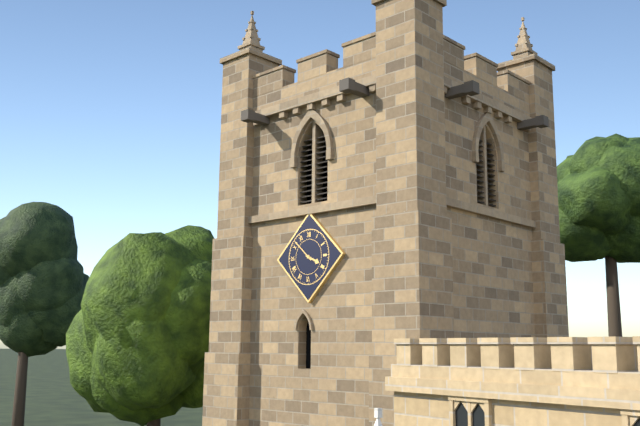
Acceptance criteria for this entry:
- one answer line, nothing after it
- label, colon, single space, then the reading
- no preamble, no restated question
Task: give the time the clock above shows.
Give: 3:52
